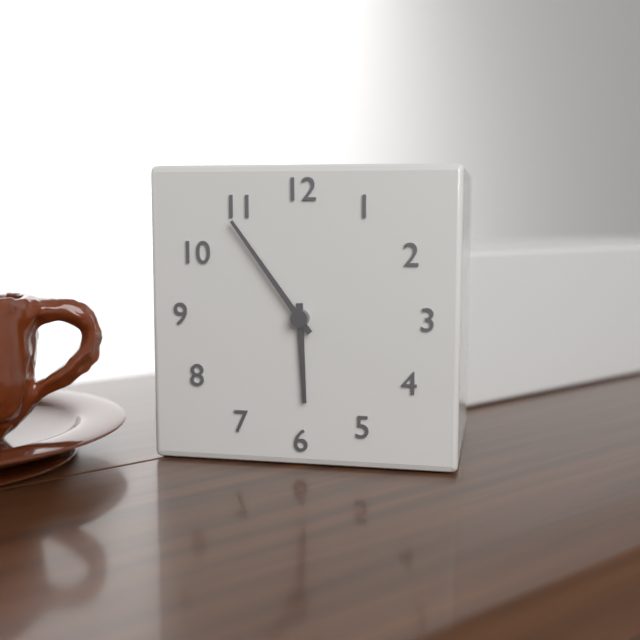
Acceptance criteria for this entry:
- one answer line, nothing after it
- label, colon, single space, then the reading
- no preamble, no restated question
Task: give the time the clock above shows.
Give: 5:54
